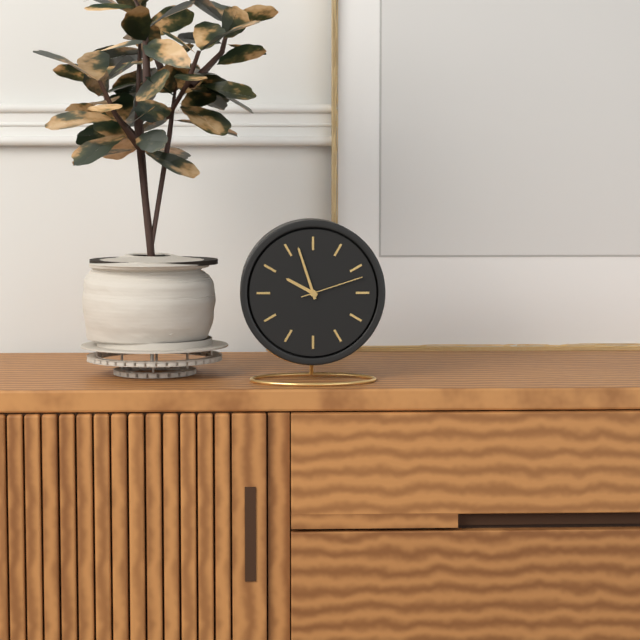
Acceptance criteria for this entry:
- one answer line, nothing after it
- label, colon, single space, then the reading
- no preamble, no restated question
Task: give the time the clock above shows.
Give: 9:57:12
